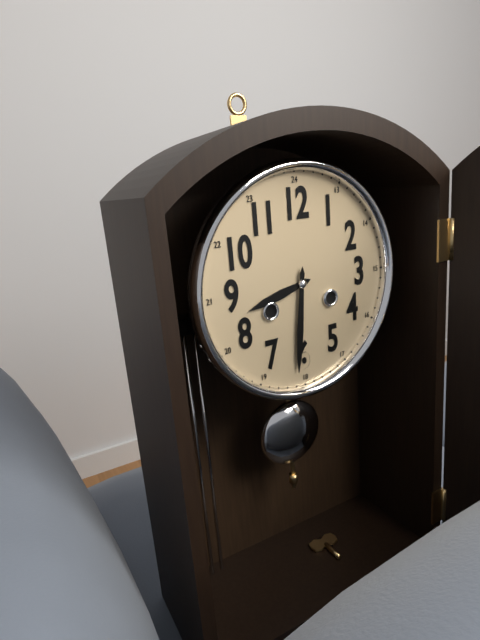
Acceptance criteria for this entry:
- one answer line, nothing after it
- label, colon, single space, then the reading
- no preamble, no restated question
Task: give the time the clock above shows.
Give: 8:31
